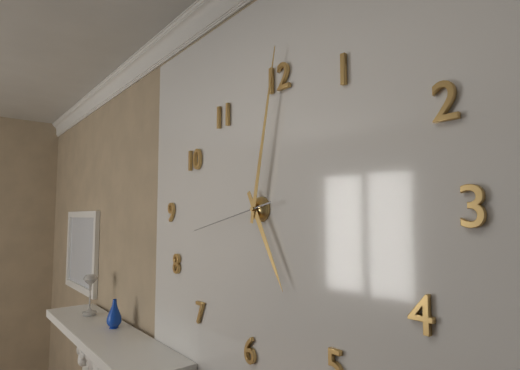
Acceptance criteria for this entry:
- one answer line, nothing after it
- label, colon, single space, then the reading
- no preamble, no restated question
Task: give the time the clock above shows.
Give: 5:02:43
